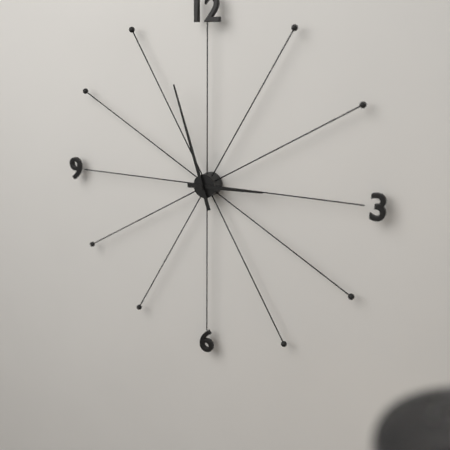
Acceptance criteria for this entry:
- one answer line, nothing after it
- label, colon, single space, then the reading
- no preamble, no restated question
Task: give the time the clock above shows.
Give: 2:57
